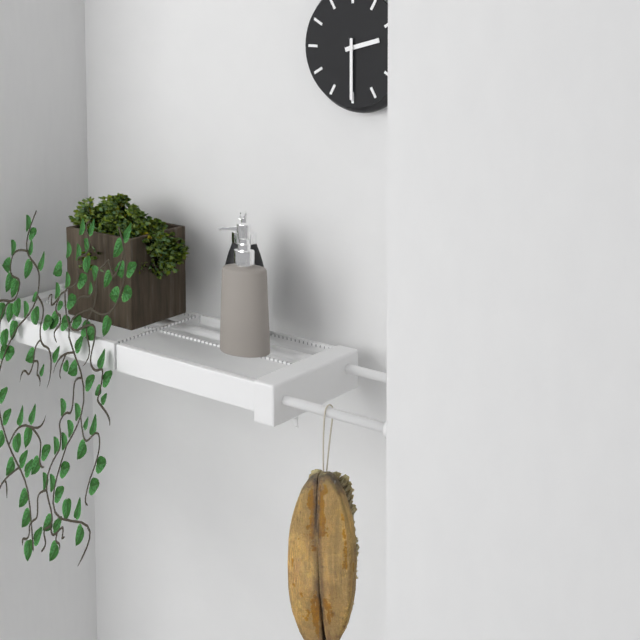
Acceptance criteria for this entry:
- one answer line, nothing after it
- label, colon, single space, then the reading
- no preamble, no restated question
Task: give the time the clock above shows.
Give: 2:30
